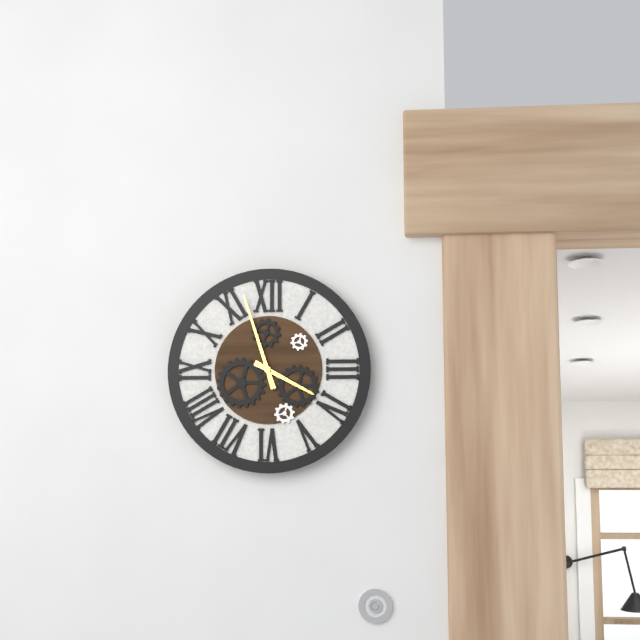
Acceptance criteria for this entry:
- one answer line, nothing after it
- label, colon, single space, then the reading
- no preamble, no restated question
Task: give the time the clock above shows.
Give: 3:57
